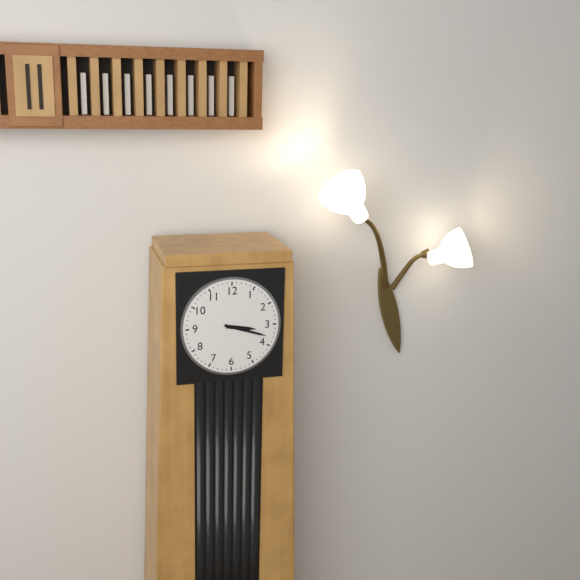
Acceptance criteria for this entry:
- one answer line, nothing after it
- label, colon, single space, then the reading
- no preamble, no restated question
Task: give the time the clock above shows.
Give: 3:18
